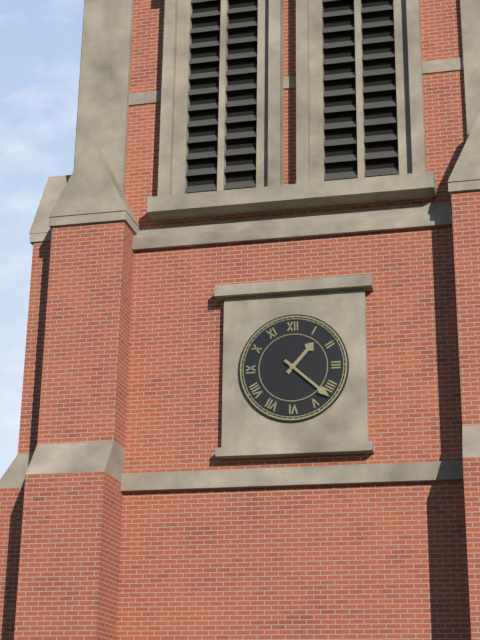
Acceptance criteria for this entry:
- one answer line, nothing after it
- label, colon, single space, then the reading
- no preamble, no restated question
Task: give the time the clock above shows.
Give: 1:22
